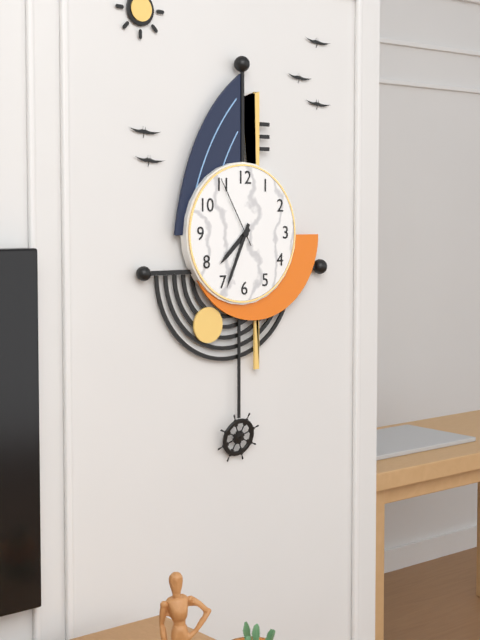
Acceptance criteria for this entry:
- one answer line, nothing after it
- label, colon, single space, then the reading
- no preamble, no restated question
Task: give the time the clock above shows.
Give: 7:34:55
